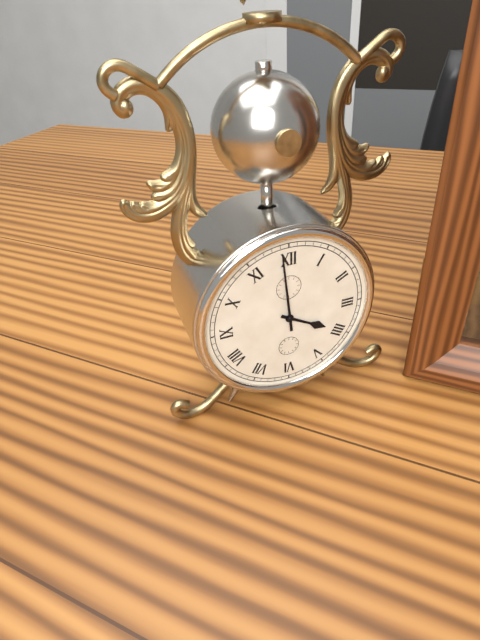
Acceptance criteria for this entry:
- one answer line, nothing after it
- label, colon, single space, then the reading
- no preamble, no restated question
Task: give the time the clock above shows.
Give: 3:59
